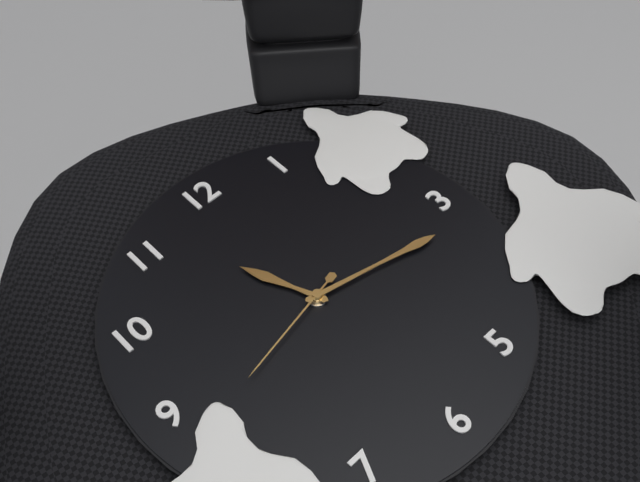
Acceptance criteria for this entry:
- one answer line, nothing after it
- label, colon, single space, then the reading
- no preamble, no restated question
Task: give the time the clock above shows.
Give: 11:17:43
